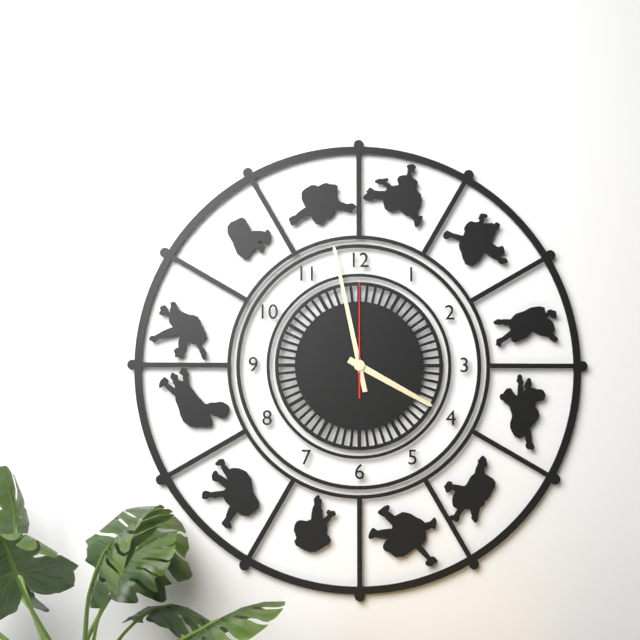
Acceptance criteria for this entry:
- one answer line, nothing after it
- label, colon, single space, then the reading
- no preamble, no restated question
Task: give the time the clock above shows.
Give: 3:58:00
